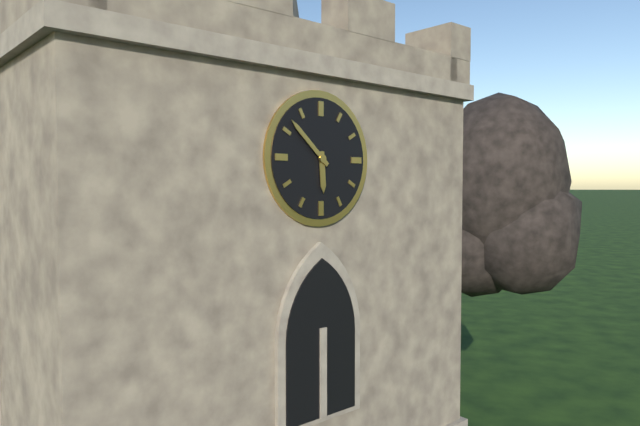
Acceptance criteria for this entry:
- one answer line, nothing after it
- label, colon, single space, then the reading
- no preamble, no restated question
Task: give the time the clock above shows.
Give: 5:52
